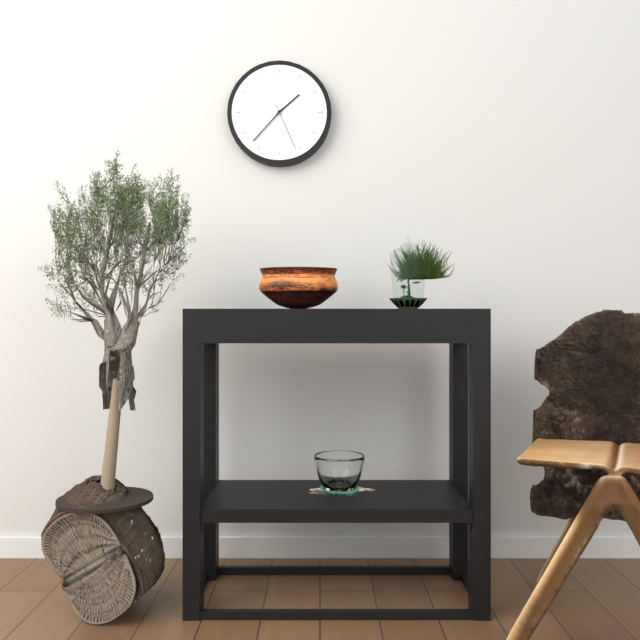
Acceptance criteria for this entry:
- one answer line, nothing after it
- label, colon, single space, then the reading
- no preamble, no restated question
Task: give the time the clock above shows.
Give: 1:37:26
